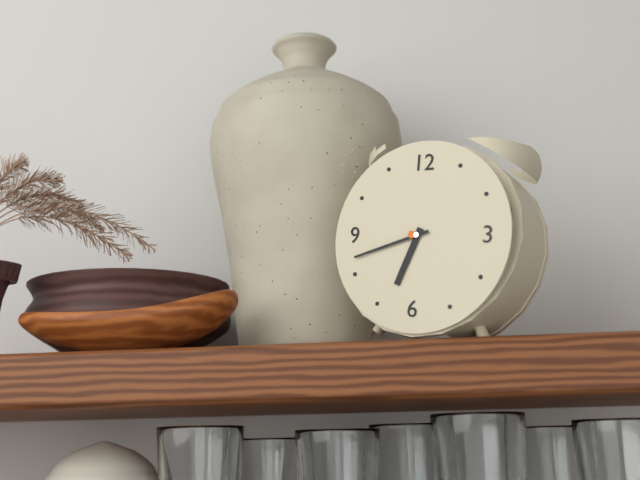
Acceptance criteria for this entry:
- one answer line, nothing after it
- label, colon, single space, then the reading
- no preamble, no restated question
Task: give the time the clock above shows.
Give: 6:42
